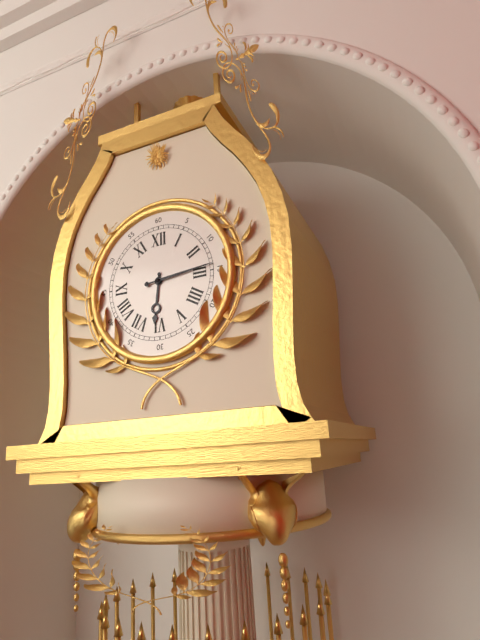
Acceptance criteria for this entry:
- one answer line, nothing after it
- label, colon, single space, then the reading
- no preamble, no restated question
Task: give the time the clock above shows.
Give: 6:14
